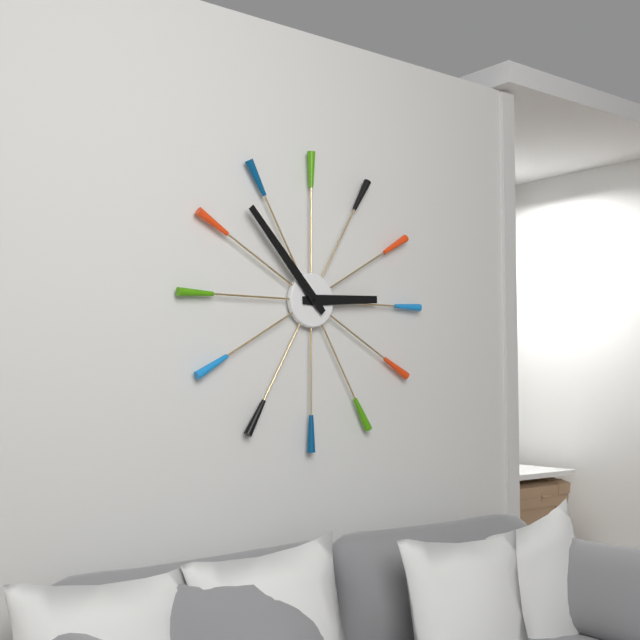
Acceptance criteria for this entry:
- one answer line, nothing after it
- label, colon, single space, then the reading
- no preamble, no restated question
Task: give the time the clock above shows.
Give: 2:53
